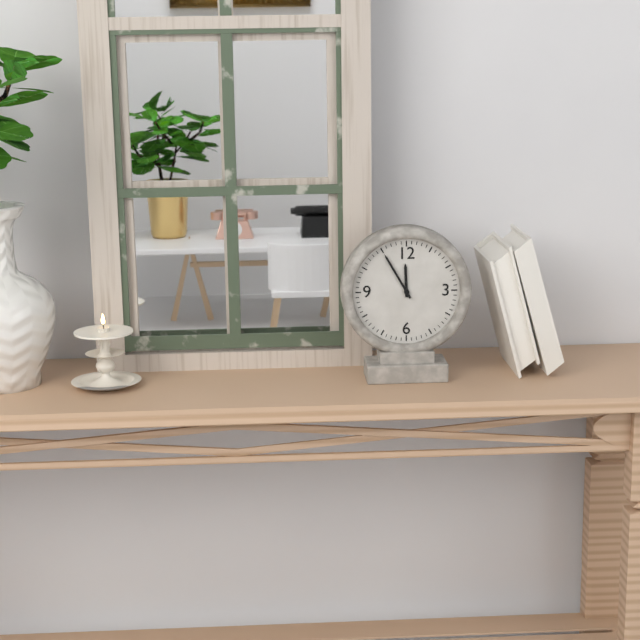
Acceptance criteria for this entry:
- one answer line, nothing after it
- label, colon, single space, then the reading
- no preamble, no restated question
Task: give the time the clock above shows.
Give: 11:55
